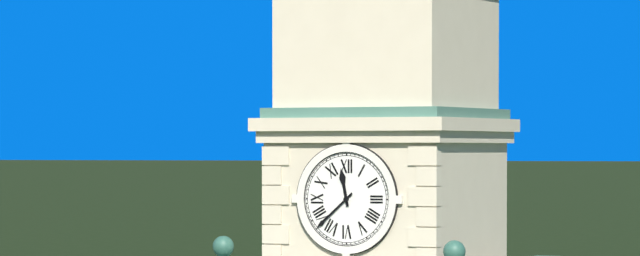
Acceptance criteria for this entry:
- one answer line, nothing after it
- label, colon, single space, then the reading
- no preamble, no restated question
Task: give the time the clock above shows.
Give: 11:38
